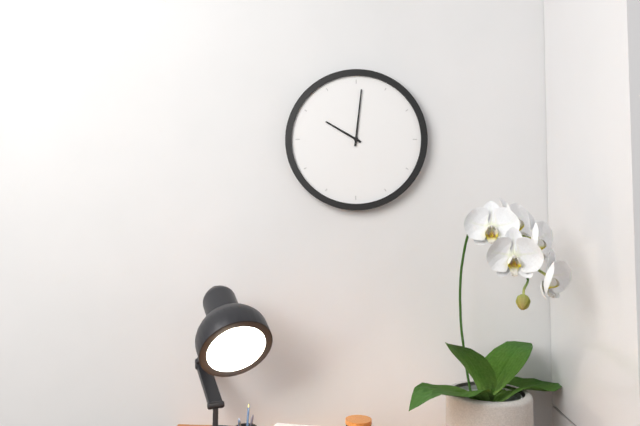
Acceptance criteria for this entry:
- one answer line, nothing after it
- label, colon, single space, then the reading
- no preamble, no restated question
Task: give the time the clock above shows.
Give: 10:01
